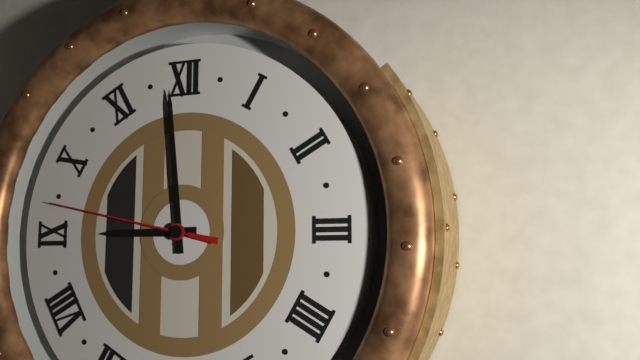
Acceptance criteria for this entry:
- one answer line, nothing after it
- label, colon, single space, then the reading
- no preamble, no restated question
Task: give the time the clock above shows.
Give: 8:59:47
